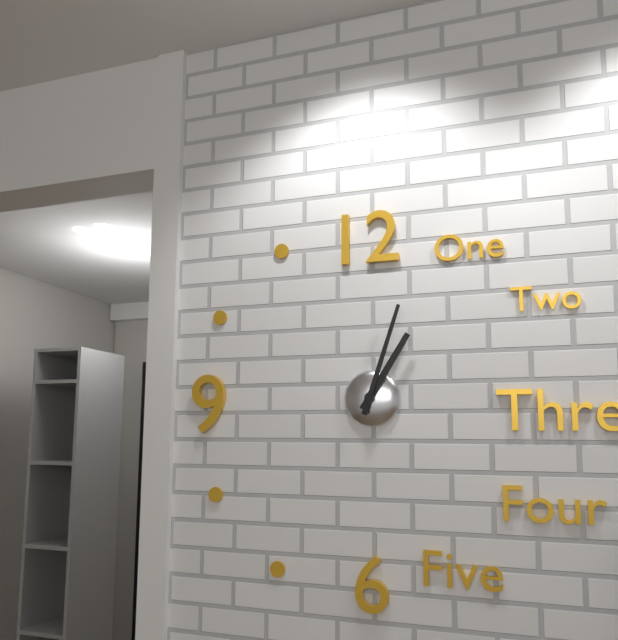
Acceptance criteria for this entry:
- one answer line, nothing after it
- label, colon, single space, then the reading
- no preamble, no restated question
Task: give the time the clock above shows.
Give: 1:03
